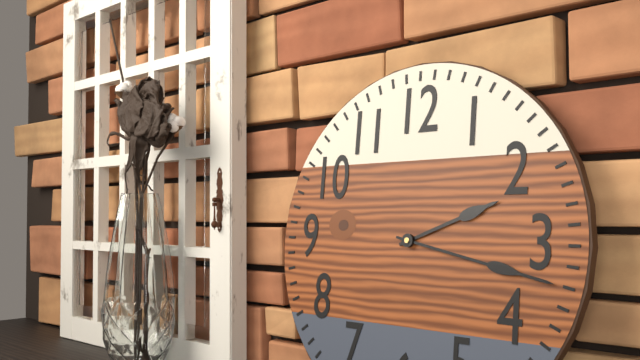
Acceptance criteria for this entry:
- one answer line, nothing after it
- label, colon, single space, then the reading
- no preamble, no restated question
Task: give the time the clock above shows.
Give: 2:17
